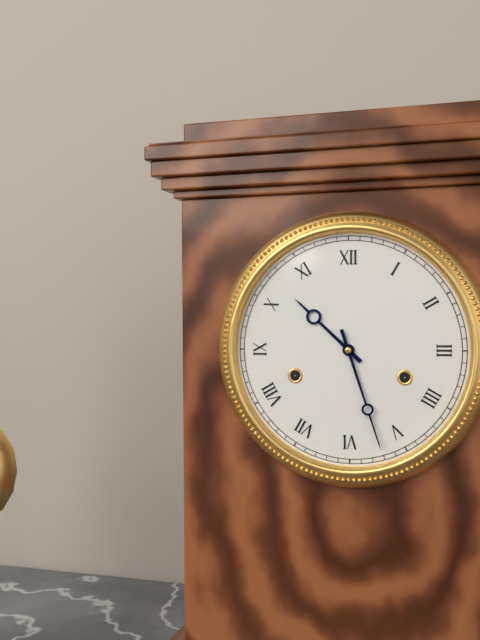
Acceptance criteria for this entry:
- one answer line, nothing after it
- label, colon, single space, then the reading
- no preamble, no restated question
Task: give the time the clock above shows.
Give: 10:27
